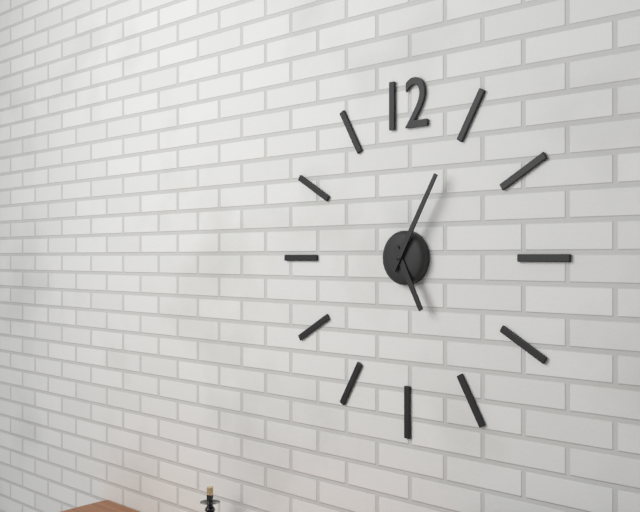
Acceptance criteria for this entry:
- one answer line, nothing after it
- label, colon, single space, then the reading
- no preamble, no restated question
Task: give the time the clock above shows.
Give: 5:05
